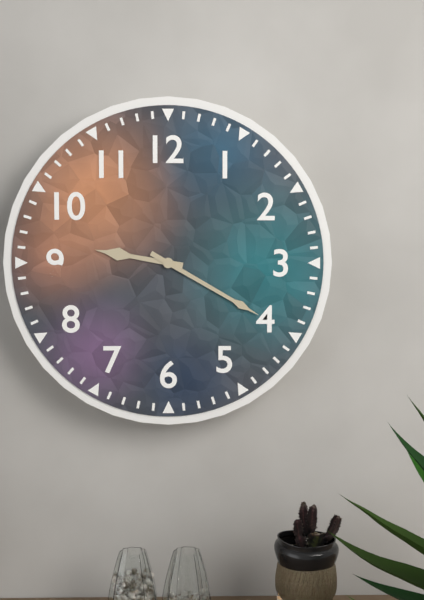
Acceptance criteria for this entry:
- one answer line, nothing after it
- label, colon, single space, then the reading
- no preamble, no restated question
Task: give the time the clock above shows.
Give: 9:20
